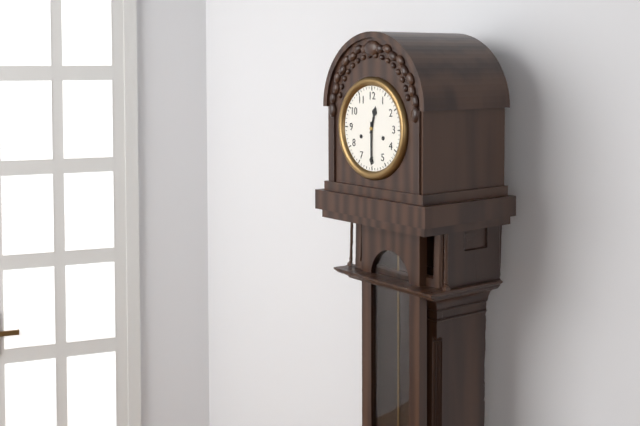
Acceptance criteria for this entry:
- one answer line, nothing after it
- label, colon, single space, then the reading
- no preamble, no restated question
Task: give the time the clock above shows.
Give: 12:30
